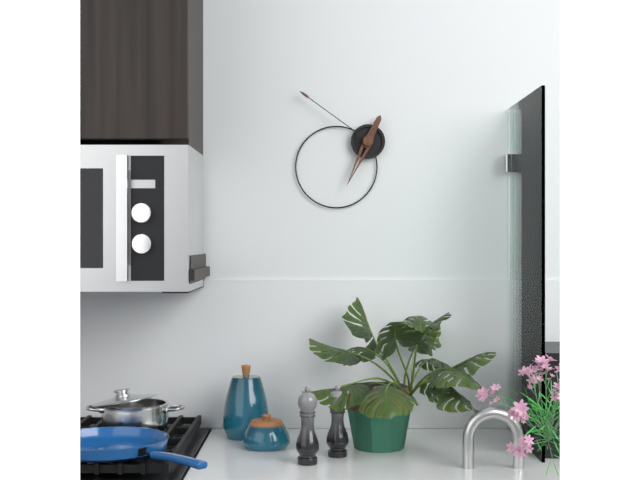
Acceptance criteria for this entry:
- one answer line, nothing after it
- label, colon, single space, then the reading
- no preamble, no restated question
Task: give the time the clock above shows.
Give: 6:51
